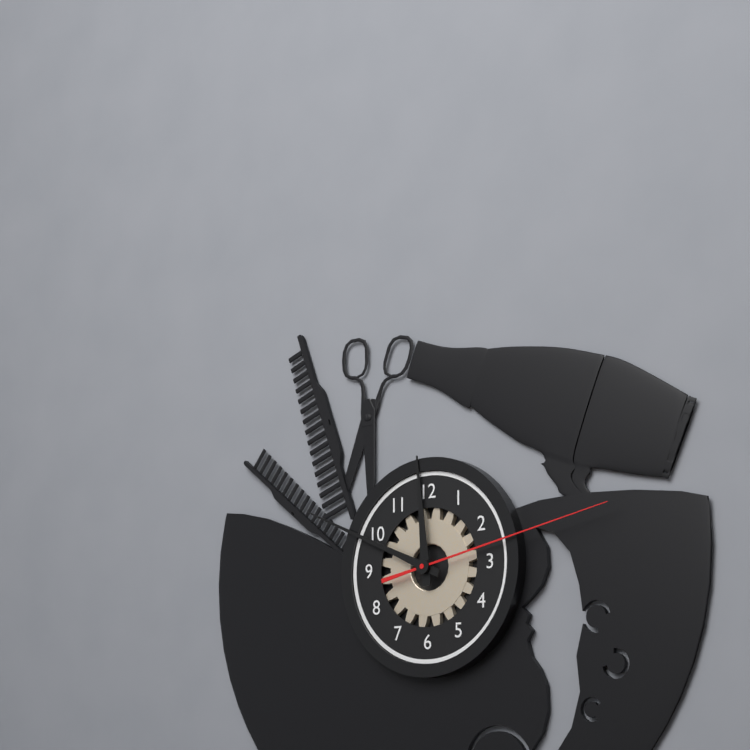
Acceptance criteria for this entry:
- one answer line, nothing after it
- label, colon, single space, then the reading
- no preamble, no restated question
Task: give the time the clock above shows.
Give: 11:49:13
